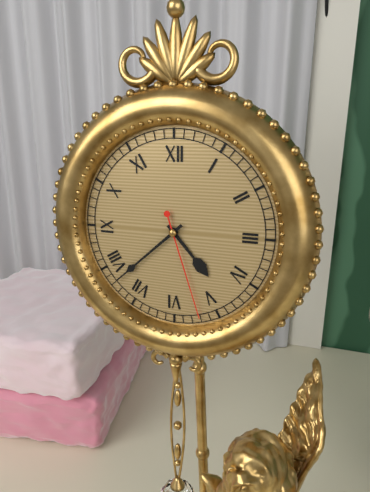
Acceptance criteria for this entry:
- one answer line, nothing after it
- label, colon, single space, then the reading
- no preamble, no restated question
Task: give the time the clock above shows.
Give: 4:38:27
